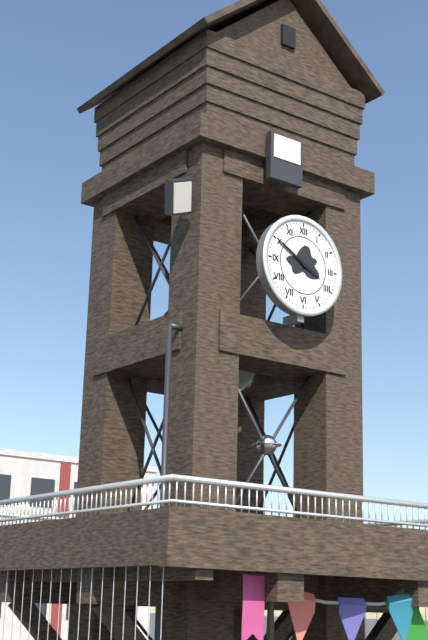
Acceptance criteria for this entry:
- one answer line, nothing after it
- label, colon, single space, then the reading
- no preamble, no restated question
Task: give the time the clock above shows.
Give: 3:50
